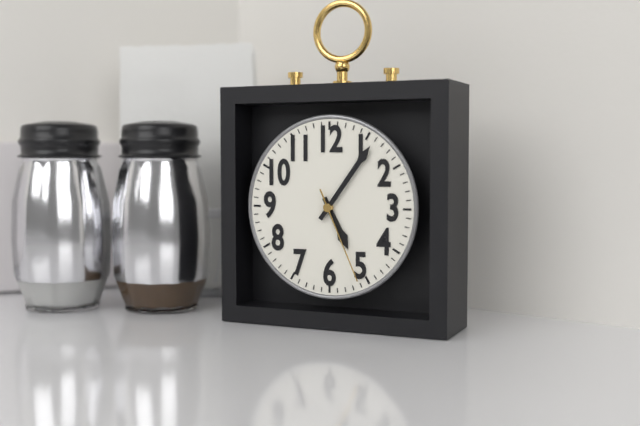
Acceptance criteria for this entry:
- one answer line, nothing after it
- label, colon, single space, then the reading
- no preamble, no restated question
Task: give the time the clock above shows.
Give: 5:06:26
